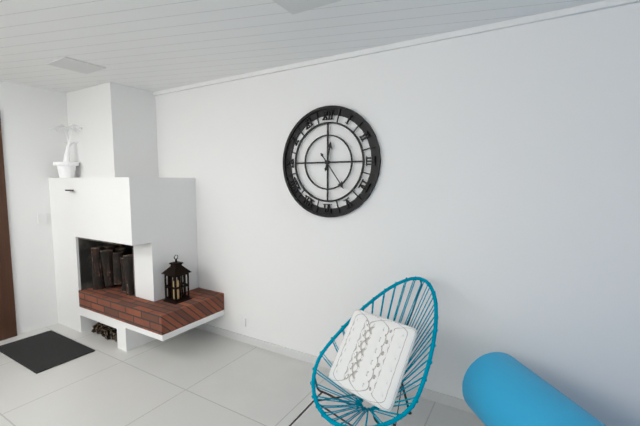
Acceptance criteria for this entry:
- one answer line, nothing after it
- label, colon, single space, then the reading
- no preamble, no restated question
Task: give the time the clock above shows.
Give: 12:24
